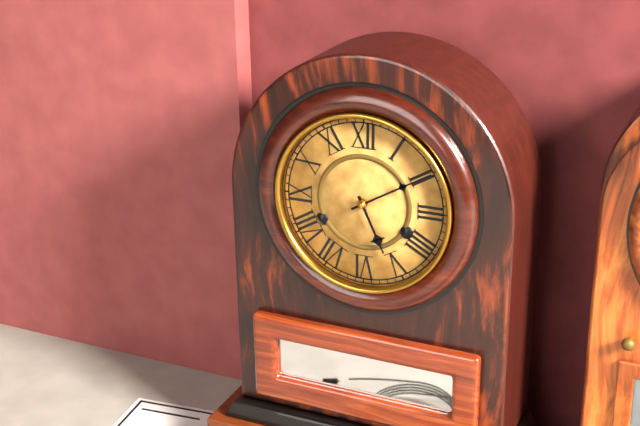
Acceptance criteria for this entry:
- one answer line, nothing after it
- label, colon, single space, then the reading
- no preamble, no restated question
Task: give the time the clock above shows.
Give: 5:10
